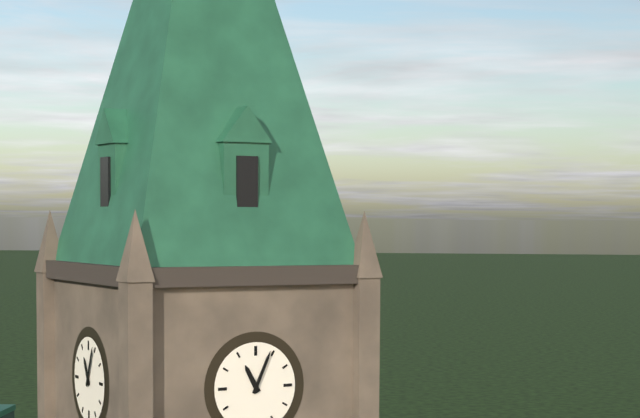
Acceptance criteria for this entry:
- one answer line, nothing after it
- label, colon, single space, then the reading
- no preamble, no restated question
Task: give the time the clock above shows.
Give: 11:04
